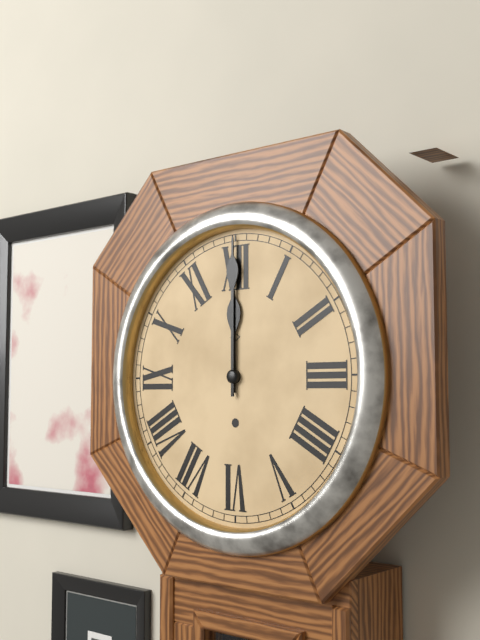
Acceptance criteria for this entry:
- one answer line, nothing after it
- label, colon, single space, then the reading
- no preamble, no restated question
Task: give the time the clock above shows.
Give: 12:00
